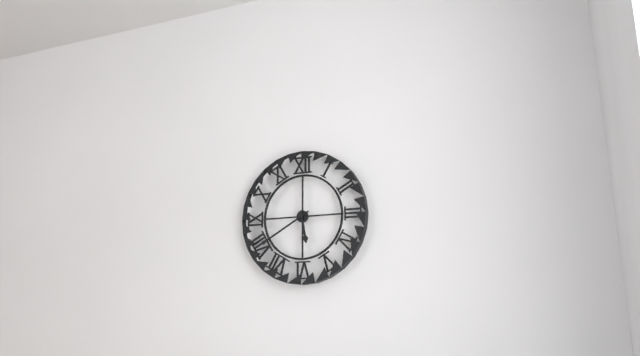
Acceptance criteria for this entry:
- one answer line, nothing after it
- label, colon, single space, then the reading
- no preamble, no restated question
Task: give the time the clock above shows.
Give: 5:40
